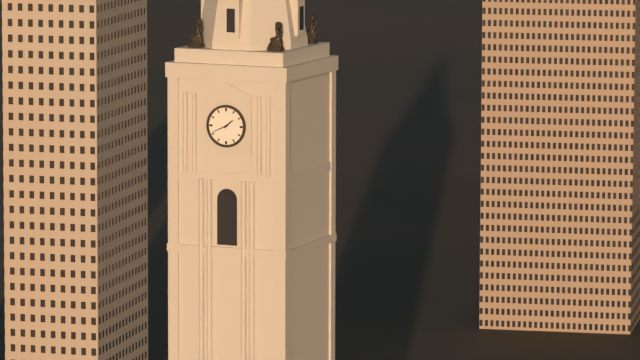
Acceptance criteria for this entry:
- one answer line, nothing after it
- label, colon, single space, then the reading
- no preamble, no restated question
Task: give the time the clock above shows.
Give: 1:41
